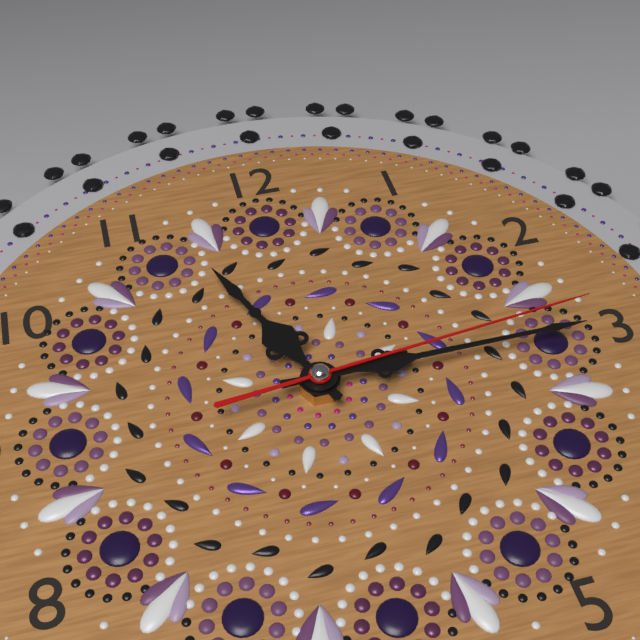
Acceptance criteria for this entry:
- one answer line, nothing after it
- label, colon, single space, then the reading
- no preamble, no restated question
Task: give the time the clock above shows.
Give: 11:15:14
